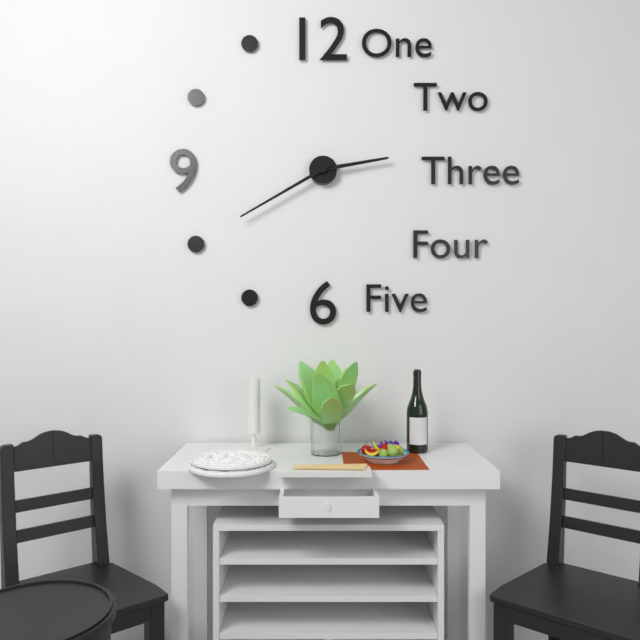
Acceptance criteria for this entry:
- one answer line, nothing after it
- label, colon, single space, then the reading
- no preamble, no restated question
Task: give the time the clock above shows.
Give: 2:40
